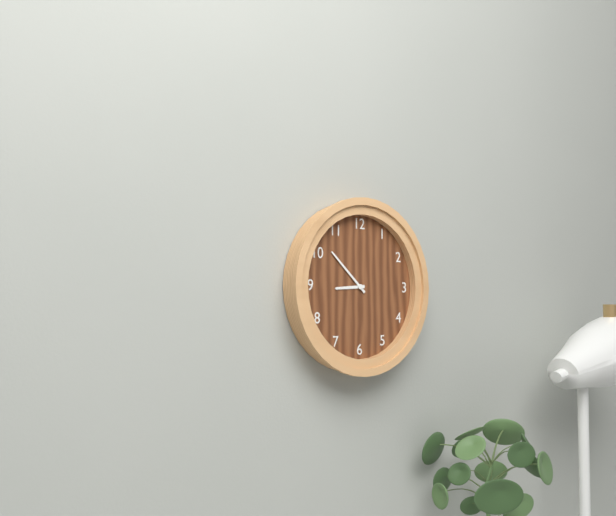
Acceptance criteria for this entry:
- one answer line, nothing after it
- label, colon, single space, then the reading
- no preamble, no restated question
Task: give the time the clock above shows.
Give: 8:52
